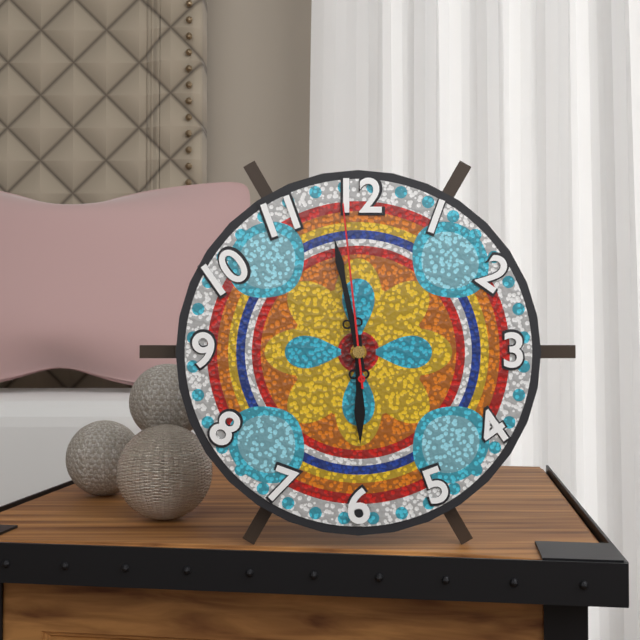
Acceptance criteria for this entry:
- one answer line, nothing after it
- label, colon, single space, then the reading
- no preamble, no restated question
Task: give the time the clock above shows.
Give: 5:58:59
